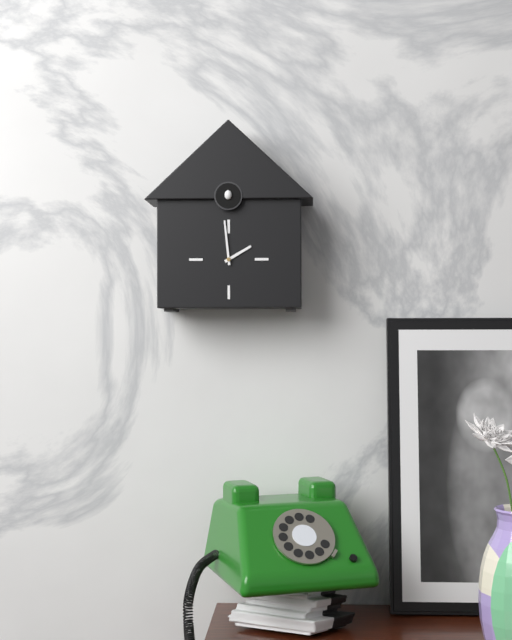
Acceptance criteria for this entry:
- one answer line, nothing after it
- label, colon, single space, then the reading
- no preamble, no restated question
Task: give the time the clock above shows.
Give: 1:59
